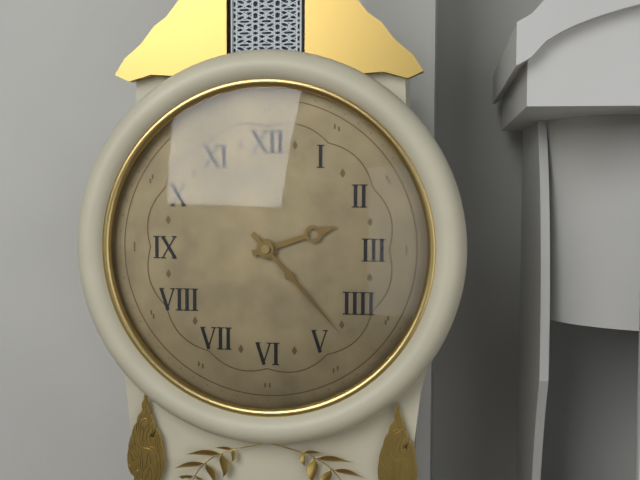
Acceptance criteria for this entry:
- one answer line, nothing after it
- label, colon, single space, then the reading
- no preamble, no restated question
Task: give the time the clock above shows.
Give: 2:23
